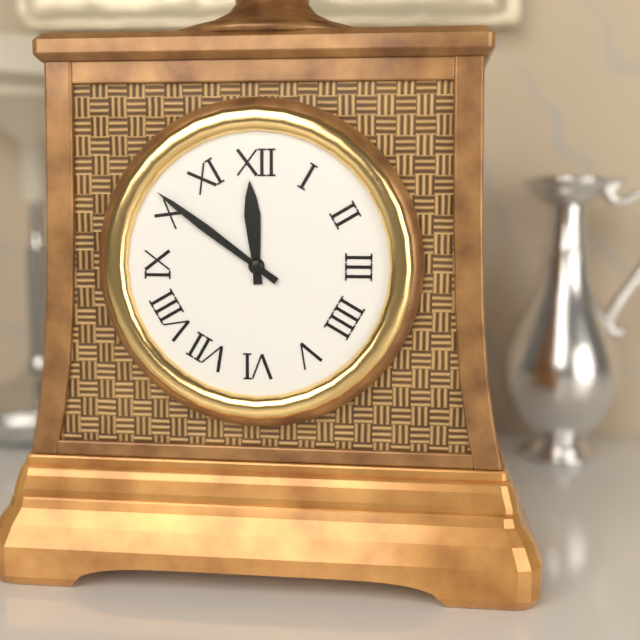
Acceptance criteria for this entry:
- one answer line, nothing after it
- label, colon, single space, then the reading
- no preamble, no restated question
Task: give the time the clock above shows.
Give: 11:51
